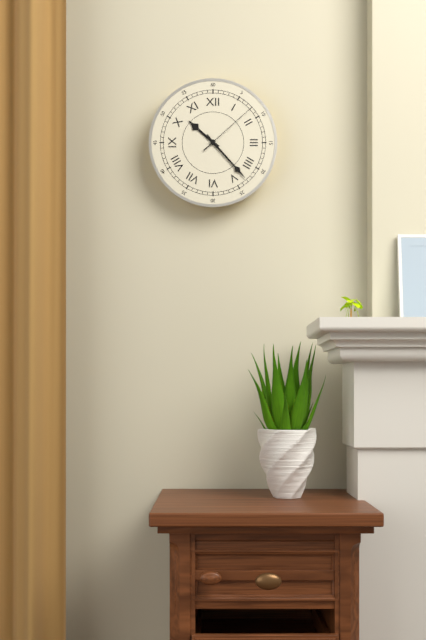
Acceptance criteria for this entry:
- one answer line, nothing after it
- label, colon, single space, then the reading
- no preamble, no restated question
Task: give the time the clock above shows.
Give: 10:23:08
